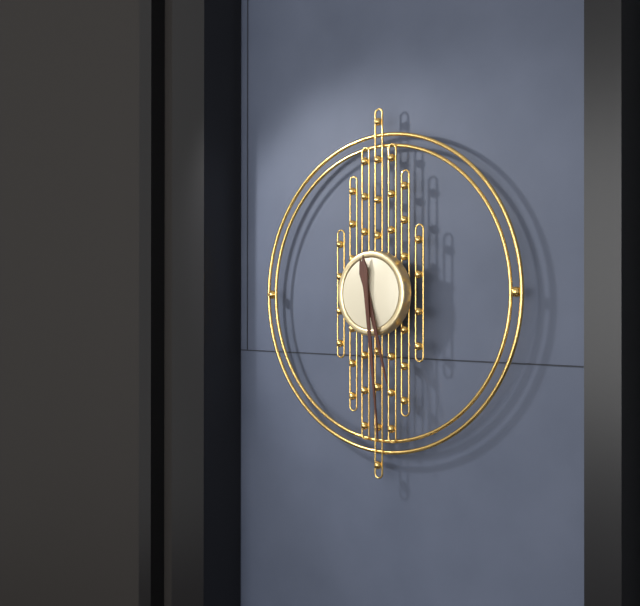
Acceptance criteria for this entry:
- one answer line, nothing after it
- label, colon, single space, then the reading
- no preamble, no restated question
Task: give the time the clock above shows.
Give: 5:29
